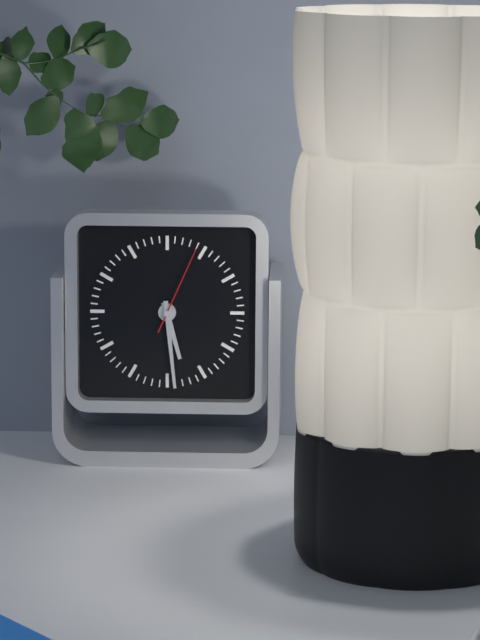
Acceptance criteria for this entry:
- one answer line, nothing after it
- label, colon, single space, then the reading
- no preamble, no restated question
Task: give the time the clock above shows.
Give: 5:29:04
